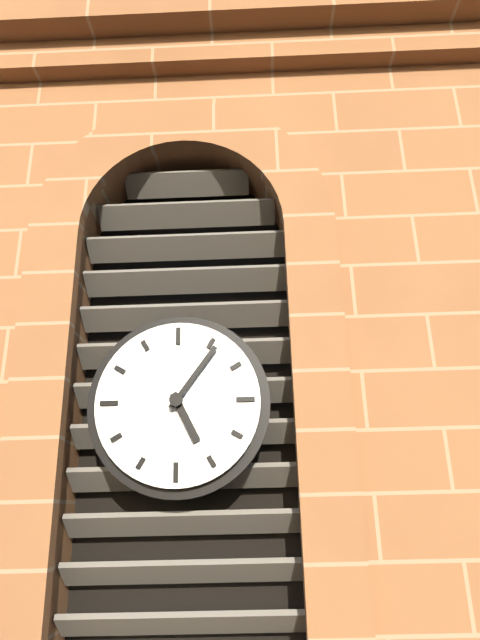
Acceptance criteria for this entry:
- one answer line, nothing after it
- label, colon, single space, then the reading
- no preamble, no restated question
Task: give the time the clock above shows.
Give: 5:06
